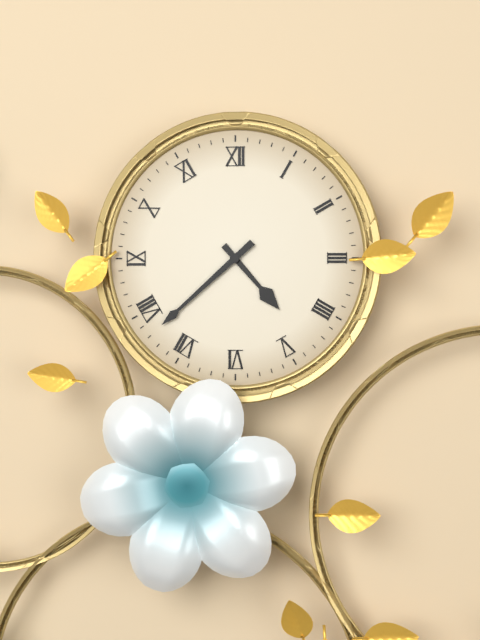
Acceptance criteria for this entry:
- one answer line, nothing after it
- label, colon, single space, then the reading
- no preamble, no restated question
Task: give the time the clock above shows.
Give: 4:38
